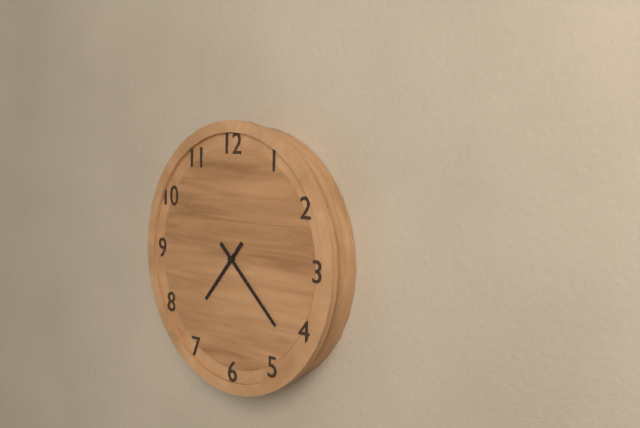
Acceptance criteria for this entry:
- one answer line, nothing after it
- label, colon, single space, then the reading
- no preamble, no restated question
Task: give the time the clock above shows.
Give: 7:22
